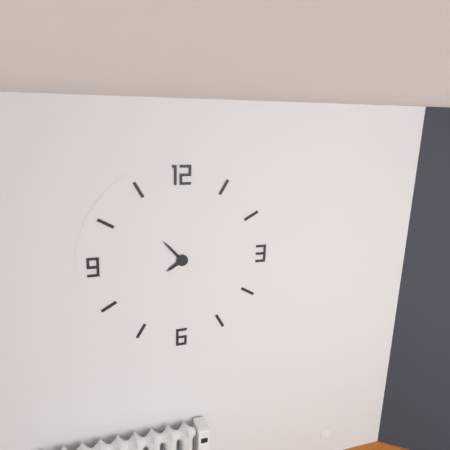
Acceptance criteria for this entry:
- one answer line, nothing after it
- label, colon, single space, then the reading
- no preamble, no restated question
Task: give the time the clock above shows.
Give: 7:53
